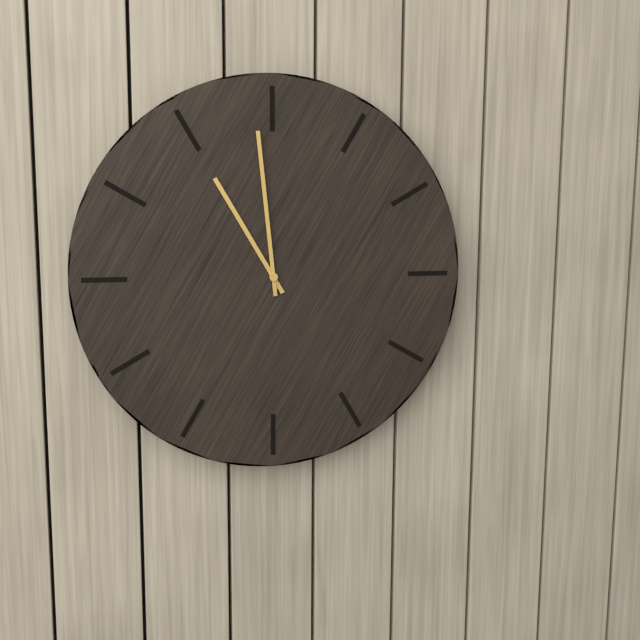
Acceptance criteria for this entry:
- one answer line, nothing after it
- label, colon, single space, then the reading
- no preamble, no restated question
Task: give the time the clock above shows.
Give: 10:59
